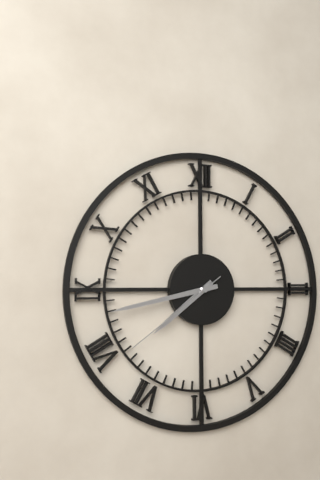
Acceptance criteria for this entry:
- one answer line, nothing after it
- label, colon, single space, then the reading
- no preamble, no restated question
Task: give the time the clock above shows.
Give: 7:43:39
